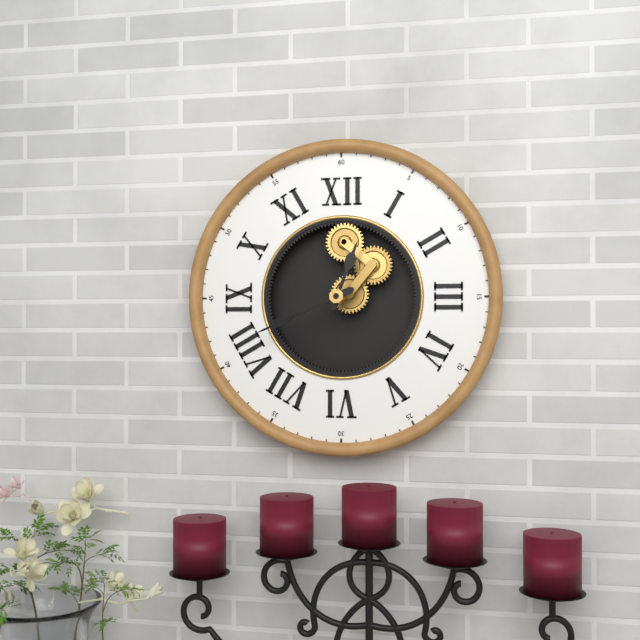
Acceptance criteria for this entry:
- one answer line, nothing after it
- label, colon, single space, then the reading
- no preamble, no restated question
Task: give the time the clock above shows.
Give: 12:41
